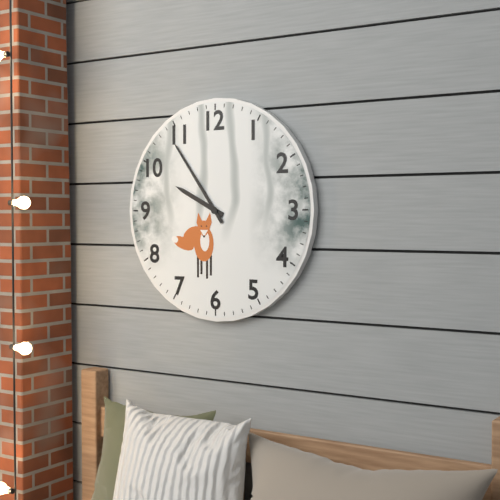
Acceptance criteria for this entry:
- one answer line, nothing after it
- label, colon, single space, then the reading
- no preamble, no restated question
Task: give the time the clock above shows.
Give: 9:54
